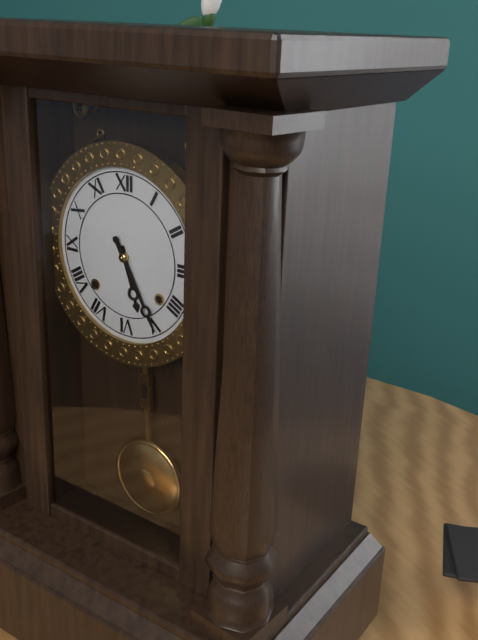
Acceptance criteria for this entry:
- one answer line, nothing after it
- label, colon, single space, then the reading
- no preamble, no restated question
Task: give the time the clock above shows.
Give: 5:25
